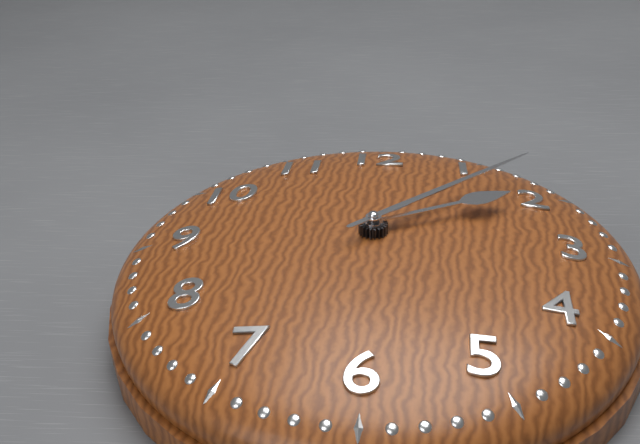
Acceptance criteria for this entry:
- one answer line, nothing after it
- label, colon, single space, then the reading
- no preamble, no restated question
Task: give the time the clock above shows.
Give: 2:08
